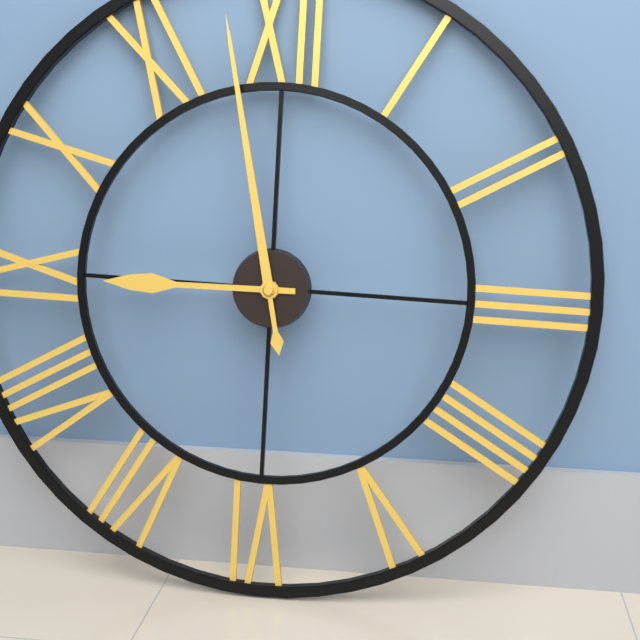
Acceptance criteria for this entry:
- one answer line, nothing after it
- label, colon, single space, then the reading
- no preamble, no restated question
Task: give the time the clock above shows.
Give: 8:58
